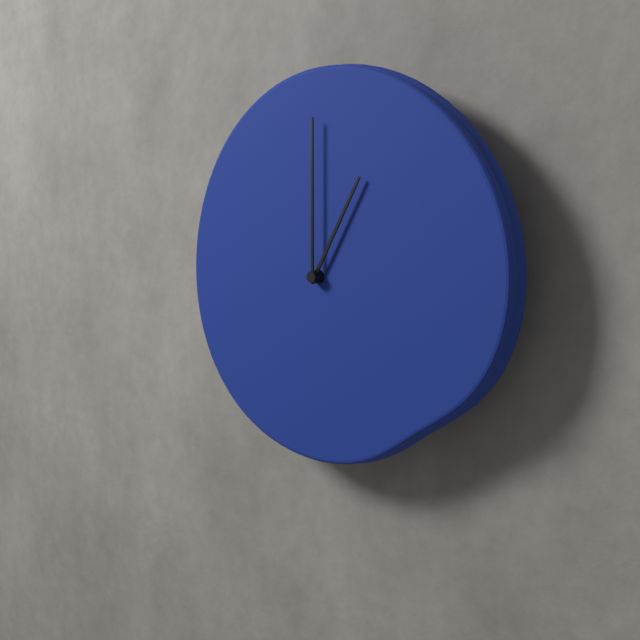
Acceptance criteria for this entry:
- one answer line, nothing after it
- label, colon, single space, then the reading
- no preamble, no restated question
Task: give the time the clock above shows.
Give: 1:00
